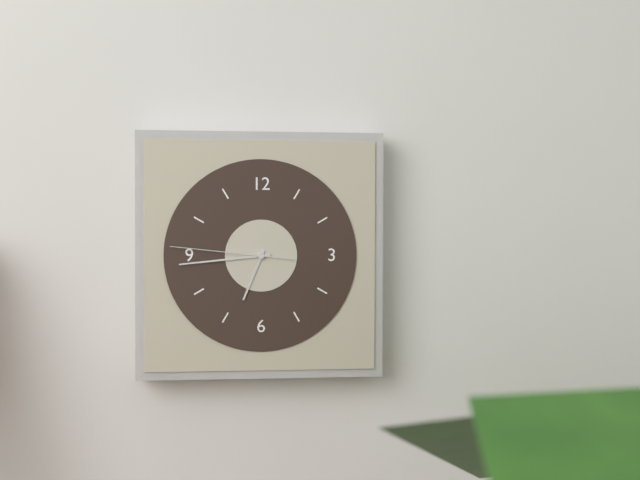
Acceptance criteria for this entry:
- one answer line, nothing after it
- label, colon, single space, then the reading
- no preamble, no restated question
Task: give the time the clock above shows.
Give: 6:44:46
